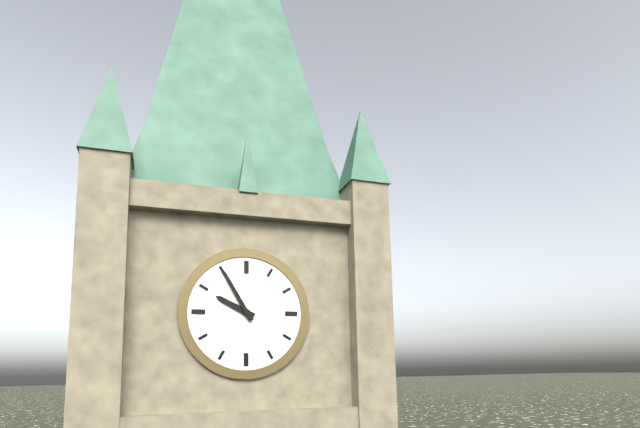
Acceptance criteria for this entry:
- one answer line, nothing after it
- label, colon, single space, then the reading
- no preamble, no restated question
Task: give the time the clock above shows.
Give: 9:55
